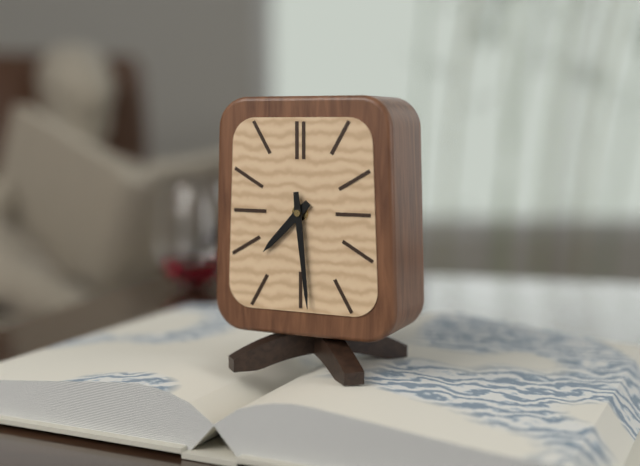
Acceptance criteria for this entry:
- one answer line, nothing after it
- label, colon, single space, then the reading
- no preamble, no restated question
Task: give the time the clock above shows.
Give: 7:29
